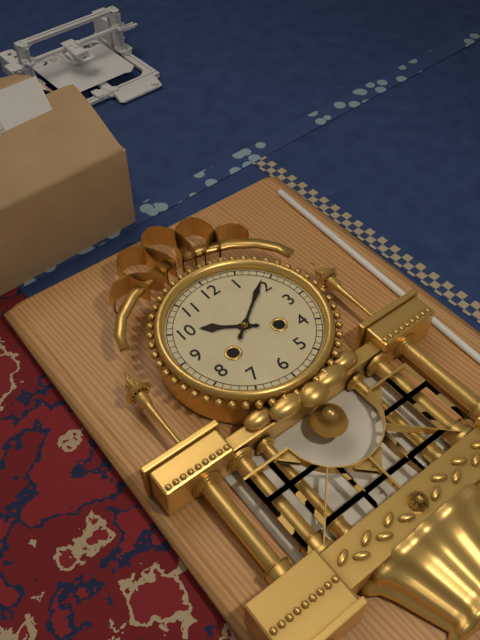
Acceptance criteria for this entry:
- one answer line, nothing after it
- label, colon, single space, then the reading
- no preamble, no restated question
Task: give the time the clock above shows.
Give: 10:09
